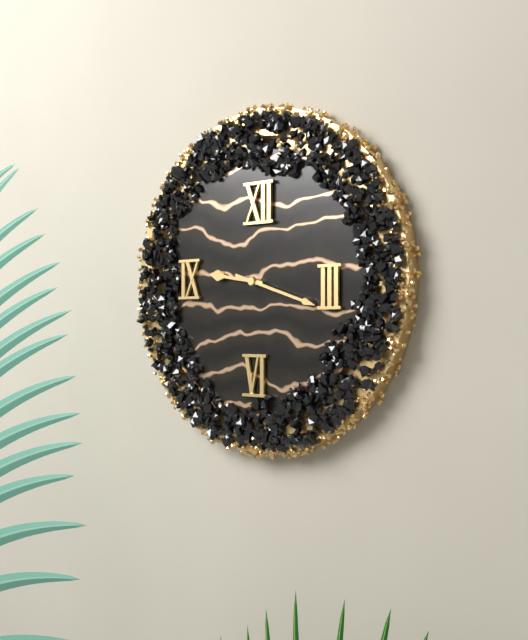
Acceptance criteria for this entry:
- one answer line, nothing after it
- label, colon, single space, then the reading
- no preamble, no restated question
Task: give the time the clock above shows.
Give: 9:18
